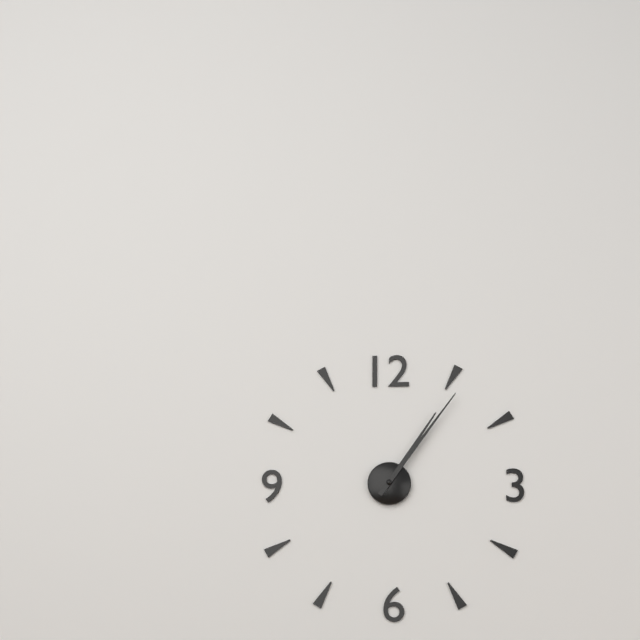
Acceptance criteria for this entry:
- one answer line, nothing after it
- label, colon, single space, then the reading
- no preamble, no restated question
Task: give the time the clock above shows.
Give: 1:06
